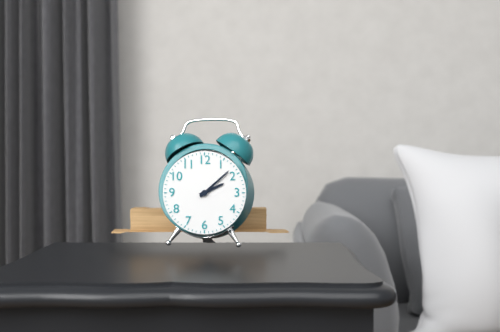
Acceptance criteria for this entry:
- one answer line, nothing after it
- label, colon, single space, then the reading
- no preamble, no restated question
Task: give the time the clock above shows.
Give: 2:08
